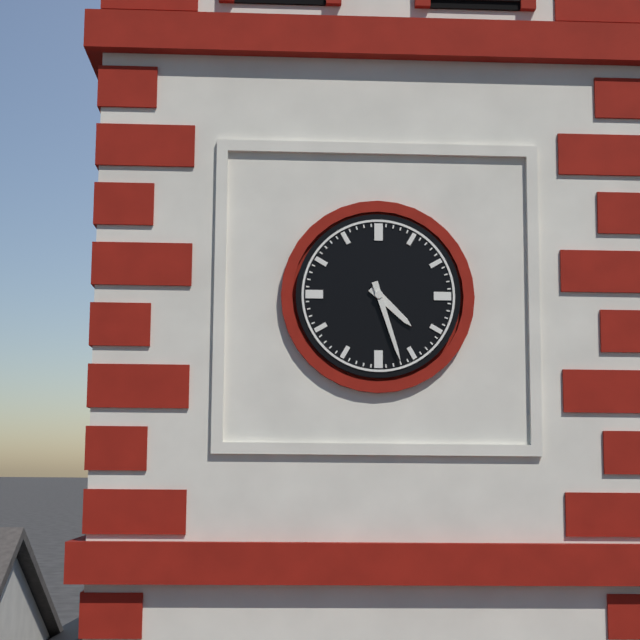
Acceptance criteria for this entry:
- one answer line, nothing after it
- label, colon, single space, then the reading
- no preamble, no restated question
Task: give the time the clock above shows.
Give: 4:27
